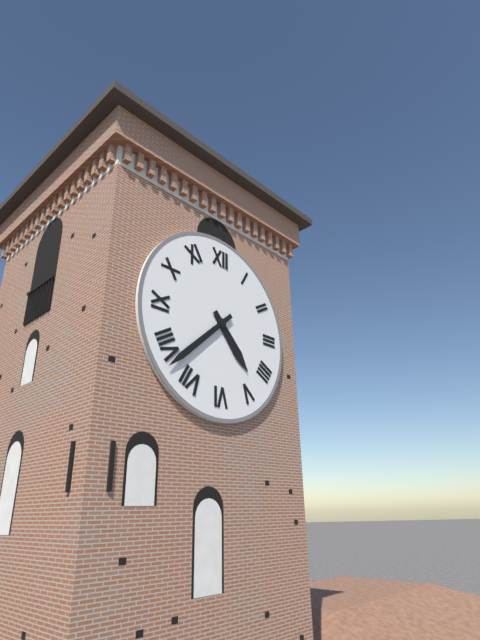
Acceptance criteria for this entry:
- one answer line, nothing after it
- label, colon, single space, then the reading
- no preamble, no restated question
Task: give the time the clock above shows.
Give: 4:38
